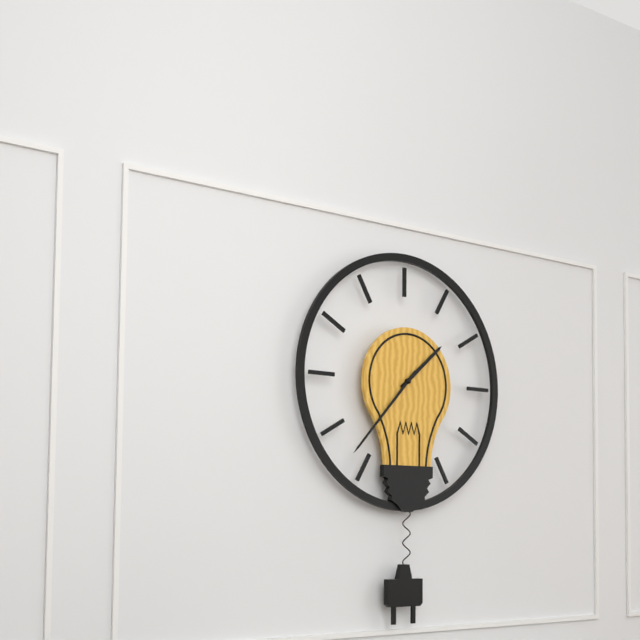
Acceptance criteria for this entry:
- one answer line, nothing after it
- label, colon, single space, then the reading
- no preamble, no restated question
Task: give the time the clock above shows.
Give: 1:37
